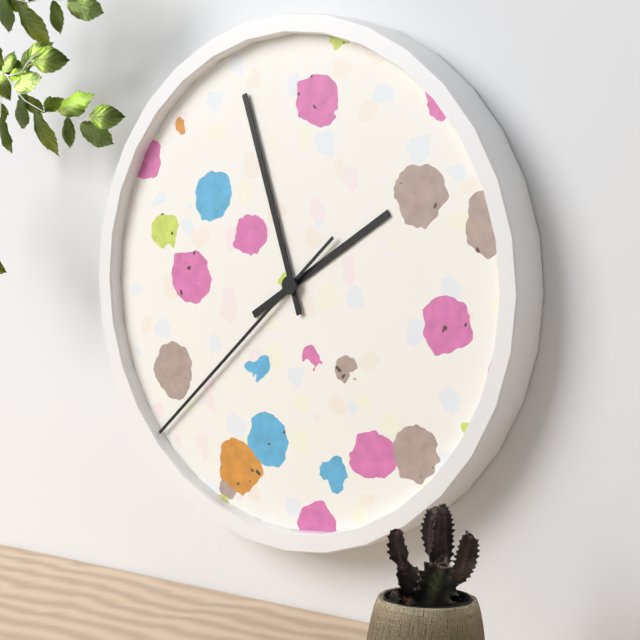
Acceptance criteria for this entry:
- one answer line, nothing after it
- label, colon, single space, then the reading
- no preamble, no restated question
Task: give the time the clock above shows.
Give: 1:57:38
